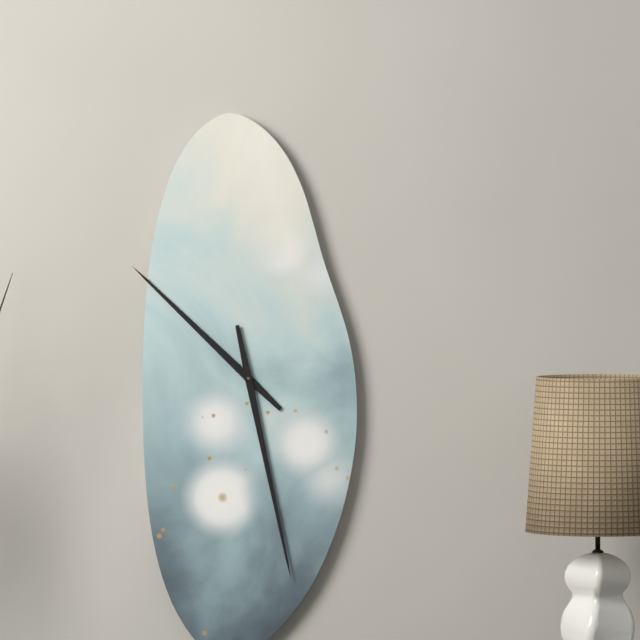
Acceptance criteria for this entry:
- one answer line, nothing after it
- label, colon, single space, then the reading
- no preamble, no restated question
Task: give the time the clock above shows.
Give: 10:28
